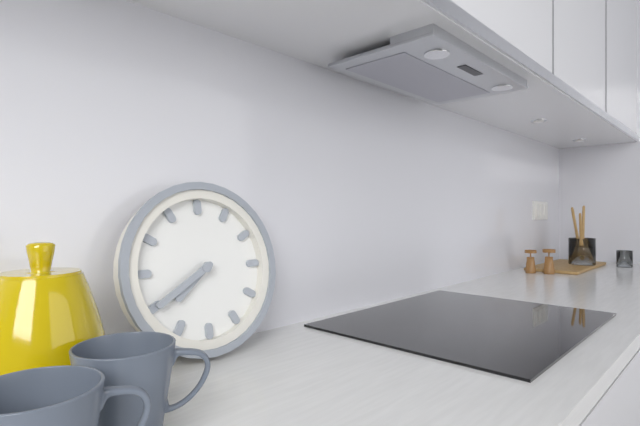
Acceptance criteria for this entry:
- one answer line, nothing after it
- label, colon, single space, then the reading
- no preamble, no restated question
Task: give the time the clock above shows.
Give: 7:40
